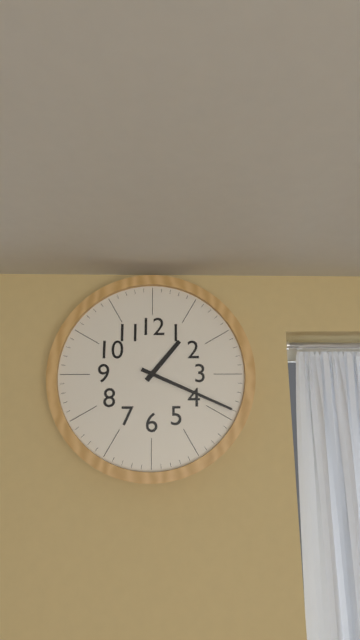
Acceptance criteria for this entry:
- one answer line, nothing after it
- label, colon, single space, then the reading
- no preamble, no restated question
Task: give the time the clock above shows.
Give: 1:19
